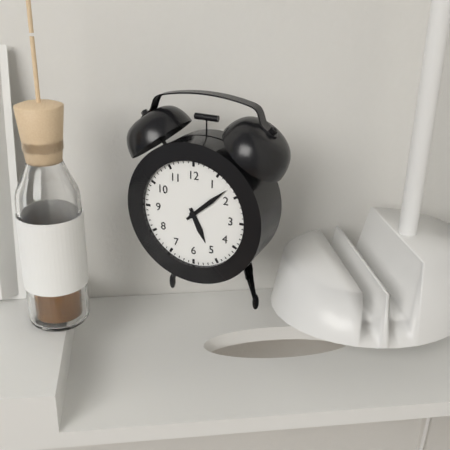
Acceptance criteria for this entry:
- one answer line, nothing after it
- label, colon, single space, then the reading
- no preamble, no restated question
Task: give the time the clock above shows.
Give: 5:08
